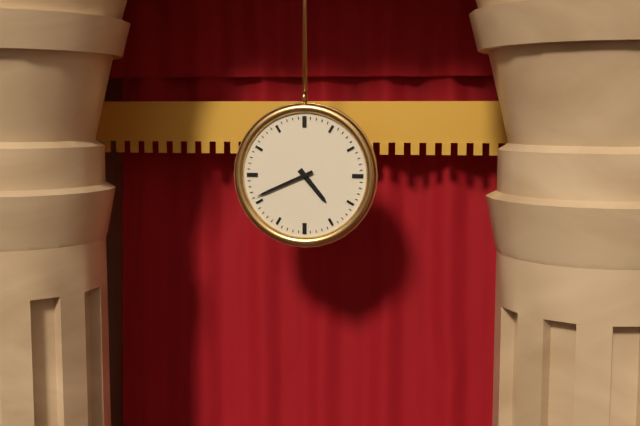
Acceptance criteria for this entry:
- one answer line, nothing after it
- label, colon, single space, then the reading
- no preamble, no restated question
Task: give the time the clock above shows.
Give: 4:41
